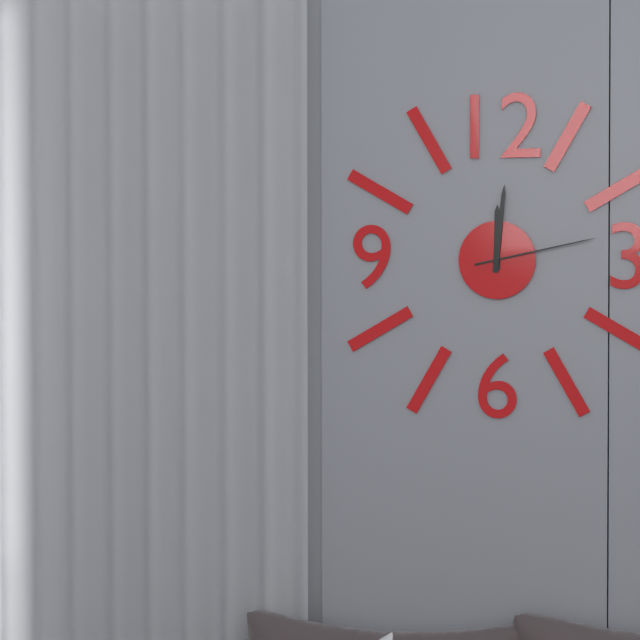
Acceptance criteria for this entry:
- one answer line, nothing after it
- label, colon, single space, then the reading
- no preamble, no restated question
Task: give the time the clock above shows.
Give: 12:01:13
